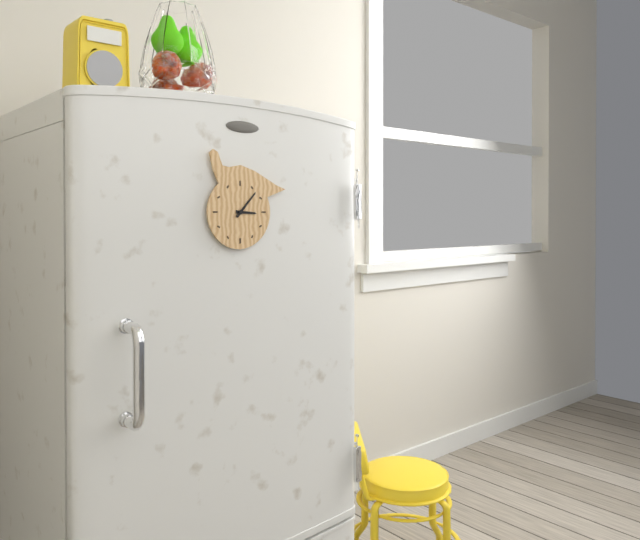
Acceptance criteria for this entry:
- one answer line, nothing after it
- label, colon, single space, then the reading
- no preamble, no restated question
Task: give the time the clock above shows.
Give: 3:07
